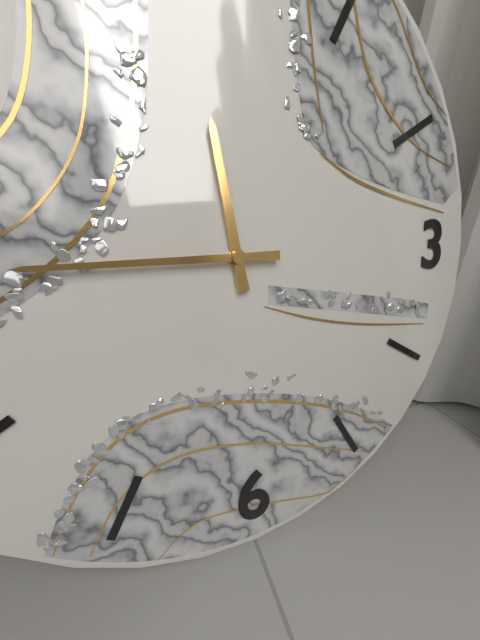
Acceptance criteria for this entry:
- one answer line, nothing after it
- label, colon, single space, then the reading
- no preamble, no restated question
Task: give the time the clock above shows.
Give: 11:45
